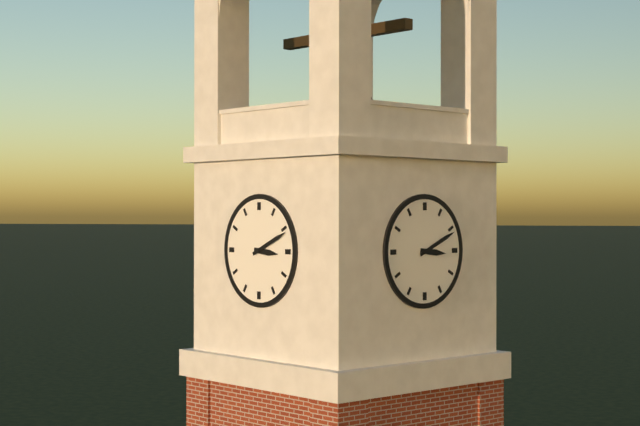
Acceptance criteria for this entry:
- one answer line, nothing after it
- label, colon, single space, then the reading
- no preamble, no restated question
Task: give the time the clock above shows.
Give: 3:11
